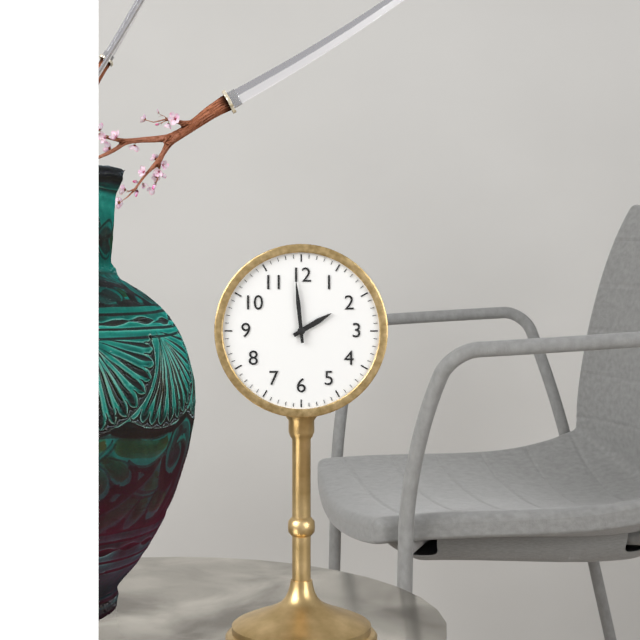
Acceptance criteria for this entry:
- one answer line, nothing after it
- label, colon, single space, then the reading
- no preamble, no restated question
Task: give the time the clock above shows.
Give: 1:59
